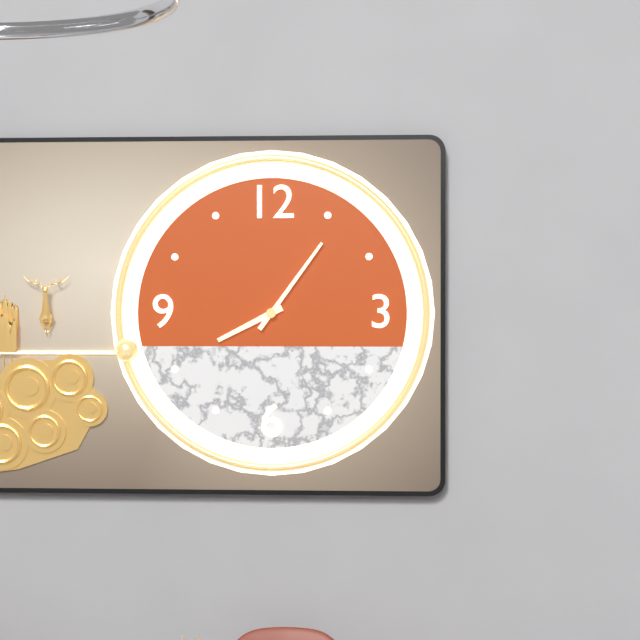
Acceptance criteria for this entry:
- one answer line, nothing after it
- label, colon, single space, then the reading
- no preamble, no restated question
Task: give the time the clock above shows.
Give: 8:06
